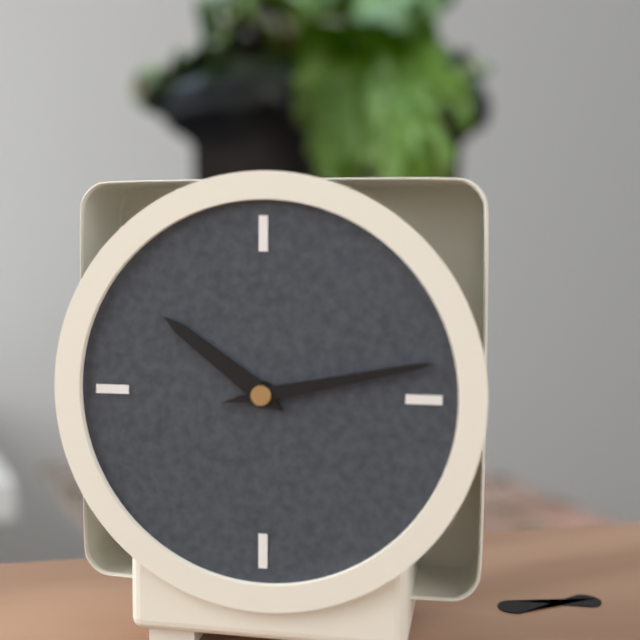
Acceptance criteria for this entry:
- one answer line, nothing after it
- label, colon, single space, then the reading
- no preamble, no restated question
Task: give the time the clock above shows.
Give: 10:13
